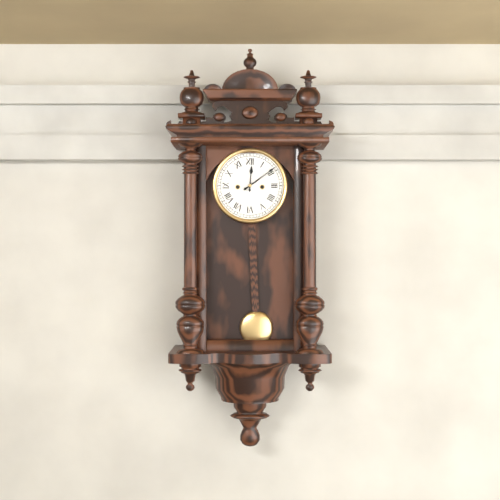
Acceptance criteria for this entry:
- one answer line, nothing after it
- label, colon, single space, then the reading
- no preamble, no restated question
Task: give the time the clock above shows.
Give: 12:09
